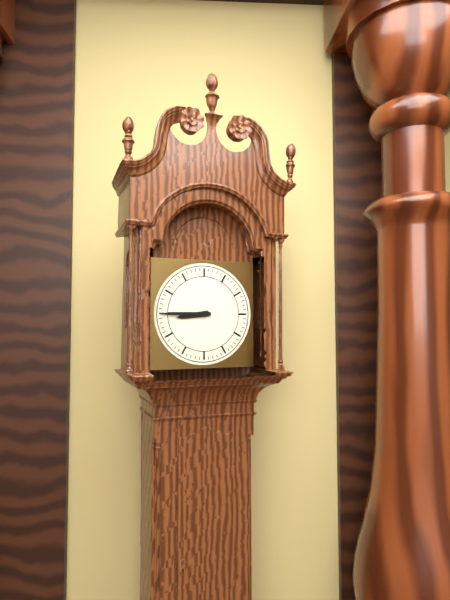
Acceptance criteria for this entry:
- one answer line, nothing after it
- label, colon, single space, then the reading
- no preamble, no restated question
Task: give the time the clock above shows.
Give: 8:45
